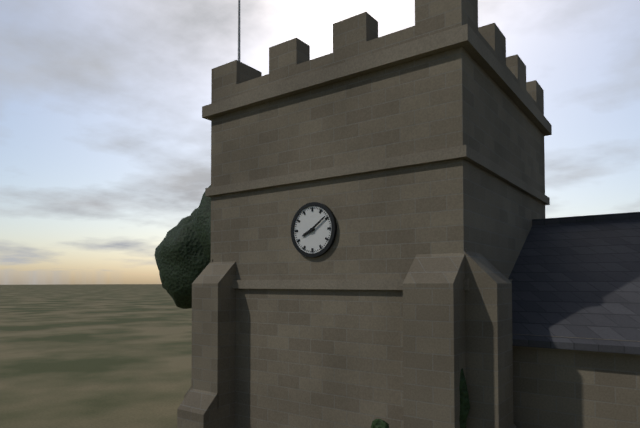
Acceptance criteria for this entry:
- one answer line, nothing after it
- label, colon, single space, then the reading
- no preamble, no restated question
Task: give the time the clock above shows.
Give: 8:09
